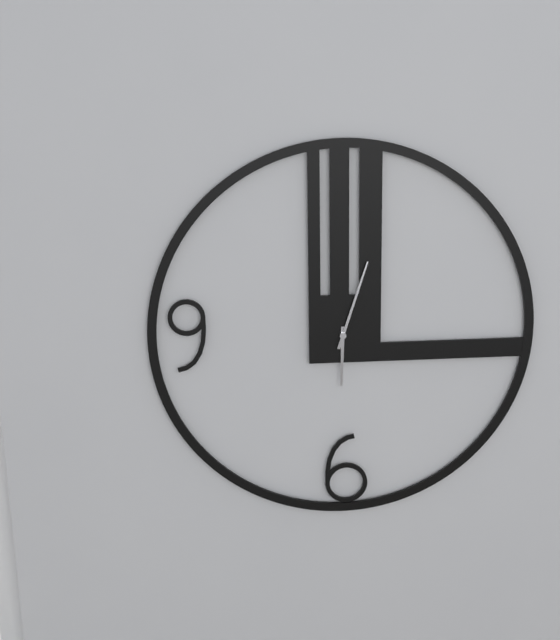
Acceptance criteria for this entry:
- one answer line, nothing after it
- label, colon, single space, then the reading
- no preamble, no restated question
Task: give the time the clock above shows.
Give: 6:03
